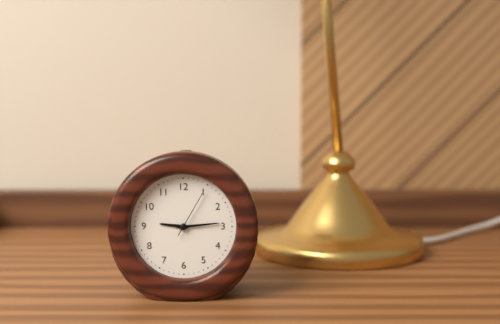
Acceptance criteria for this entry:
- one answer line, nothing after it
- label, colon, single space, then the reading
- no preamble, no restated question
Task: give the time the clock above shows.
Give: 9:14:05
